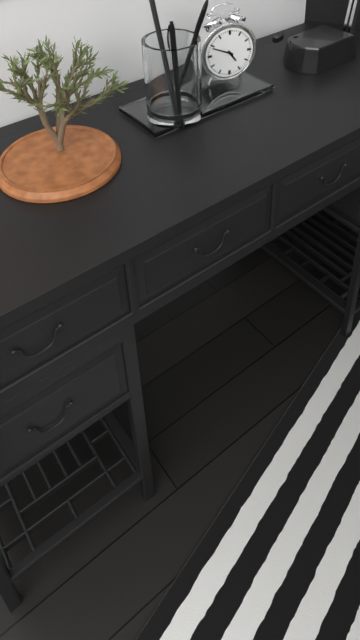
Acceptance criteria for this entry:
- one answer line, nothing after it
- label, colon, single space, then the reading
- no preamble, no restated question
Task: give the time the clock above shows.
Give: 4:49
